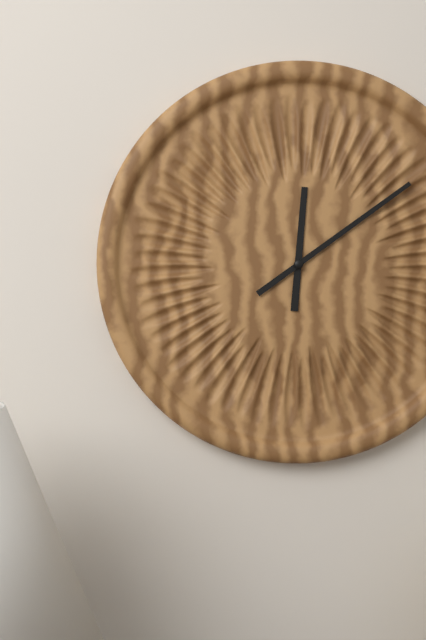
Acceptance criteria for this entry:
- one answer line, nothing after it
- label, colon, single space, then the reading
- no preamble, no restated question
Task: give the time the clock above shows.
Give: 12:09
